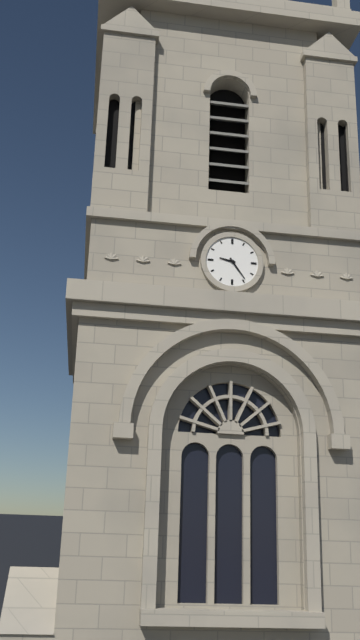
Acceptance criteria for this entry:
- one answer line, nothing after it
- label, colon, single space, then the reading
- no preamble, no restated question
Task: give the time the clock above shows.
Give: 9:24
